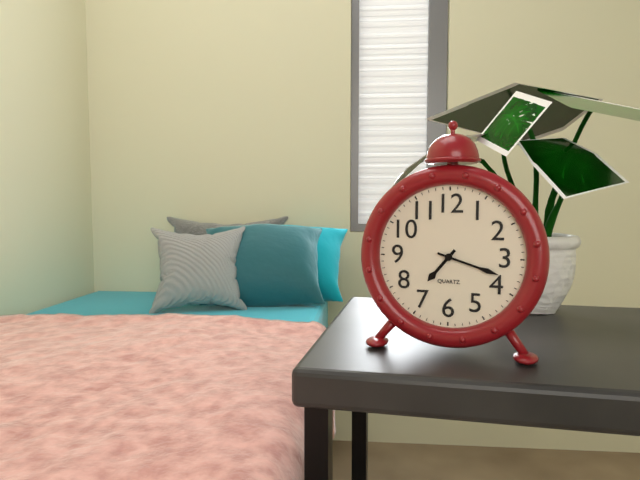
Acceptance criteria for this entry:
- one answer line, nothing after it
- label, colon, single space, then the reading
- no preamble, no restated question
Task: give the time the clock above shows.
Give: 7:18
